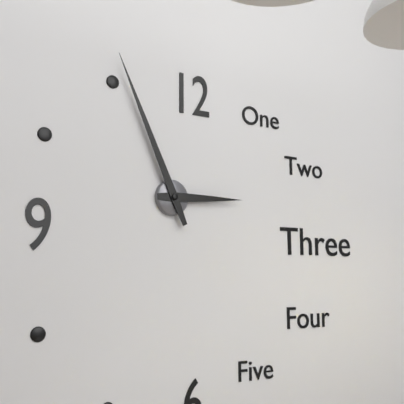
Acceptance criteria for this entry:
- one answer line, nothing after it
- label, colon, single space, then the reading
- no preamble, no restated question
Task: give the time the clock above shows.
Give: 2:56
